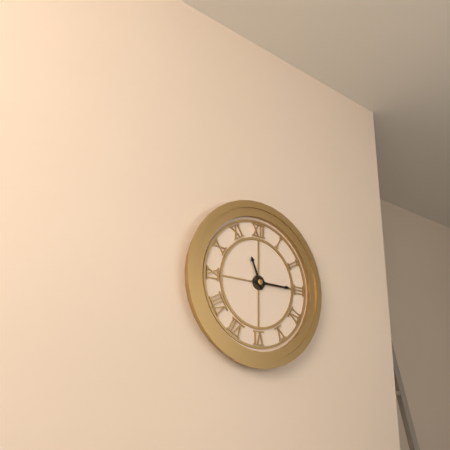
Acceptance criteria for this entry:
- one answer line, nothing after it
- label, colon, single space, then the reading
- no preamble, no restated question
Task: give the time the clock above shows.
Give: 11:15
